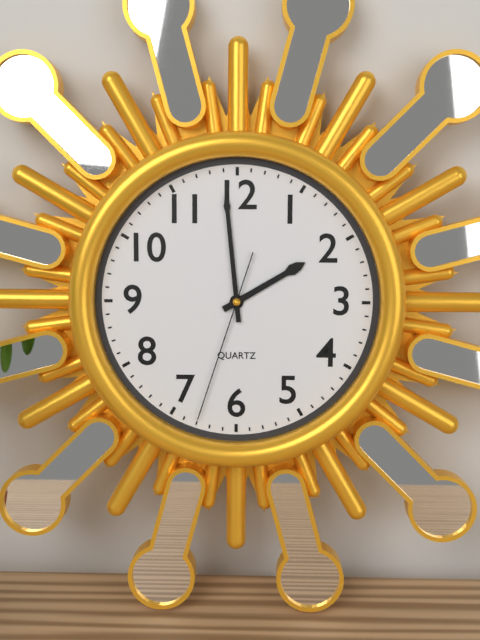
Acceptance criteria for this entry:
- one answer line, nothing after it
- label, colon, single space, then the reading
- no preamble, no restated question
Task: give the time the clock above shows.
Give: 1:59:33
